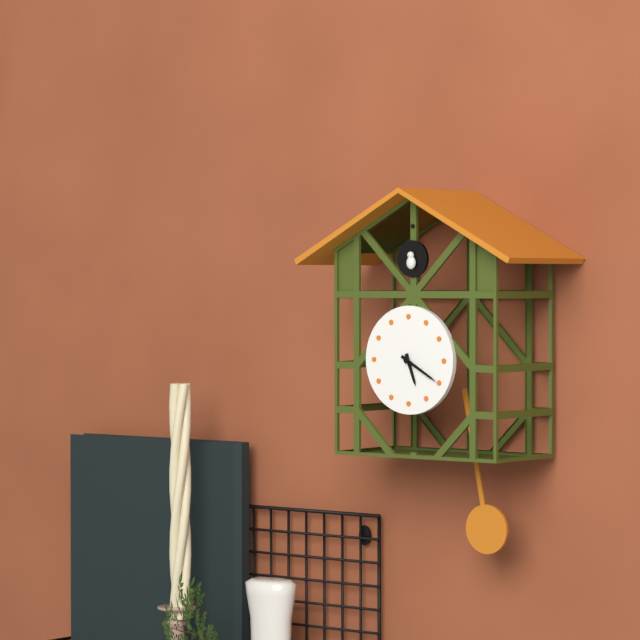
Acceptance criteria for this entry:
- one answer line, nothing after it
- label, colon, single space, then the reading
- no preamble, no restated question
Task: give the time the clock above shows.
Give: 5:20
